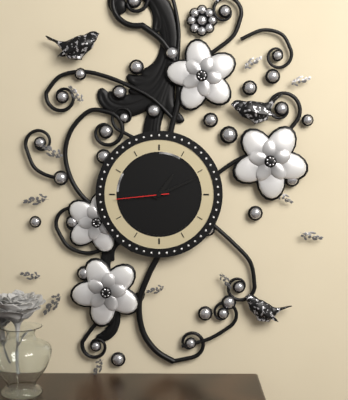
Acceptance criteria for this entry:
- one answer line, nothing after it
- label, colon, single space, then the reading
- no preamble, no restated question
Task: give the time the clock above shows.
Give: 1:11:44
